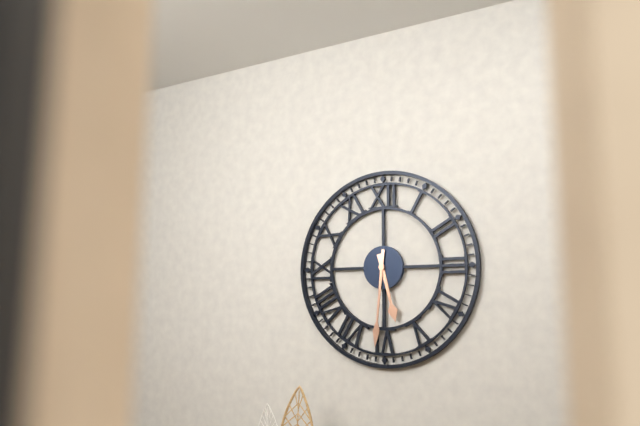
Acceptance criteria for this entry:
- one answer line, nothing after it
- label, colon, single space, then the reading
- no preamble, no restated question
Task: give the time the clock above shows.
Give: 5:31
